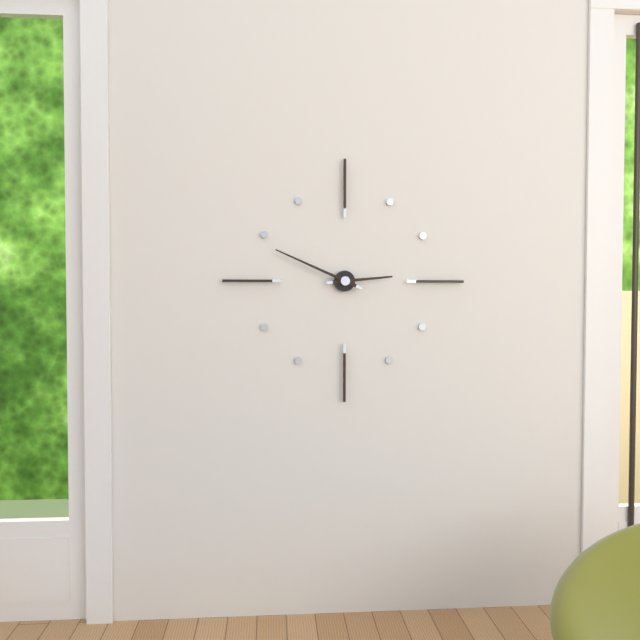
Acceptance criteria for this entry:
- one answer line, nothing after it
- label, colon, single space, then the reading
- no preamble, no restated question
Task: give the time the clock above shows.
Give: 2:49
